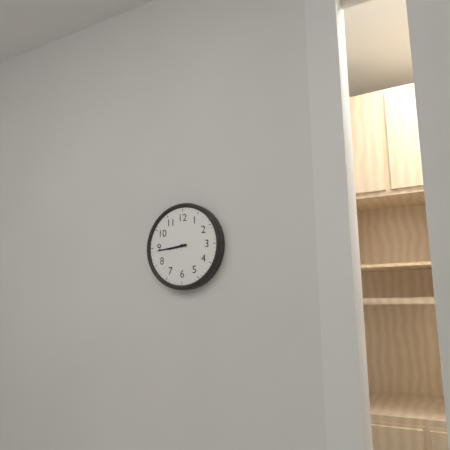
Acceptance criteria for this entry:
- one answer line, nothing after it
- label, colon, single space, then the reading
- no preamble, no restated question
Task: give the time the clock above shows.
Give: 8:44
